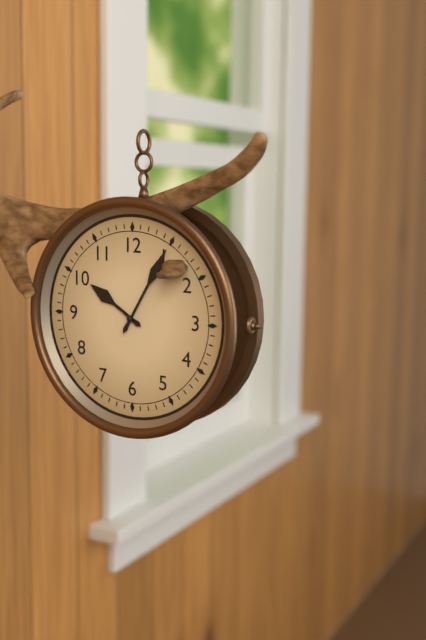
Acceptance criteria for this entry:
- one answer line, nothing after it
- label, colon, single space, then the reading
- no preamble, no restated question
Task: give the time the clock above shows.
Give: 10:05
